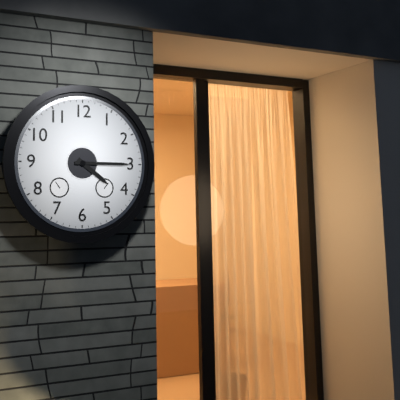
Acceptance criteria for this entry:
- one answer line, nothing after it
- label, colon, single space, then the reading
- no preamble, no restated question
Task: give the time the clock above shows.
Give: 4:15
